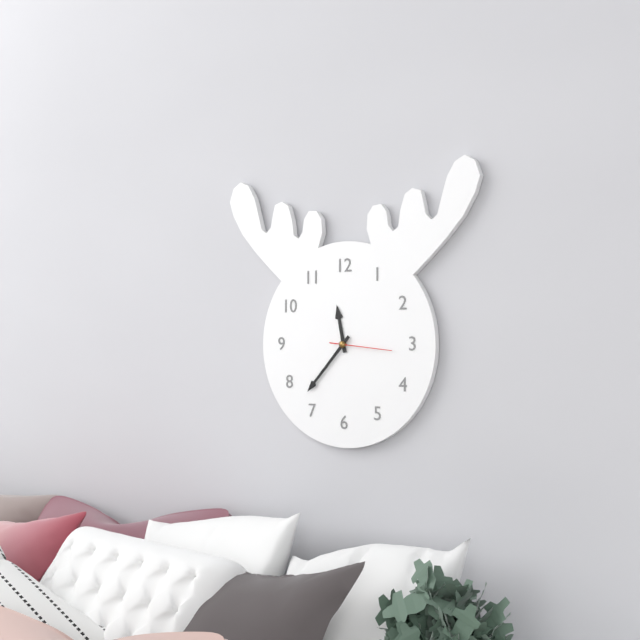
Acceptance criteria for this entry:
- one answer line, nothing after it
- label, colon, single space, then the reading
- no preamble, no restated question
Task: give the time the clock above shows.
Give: 11:37:16
